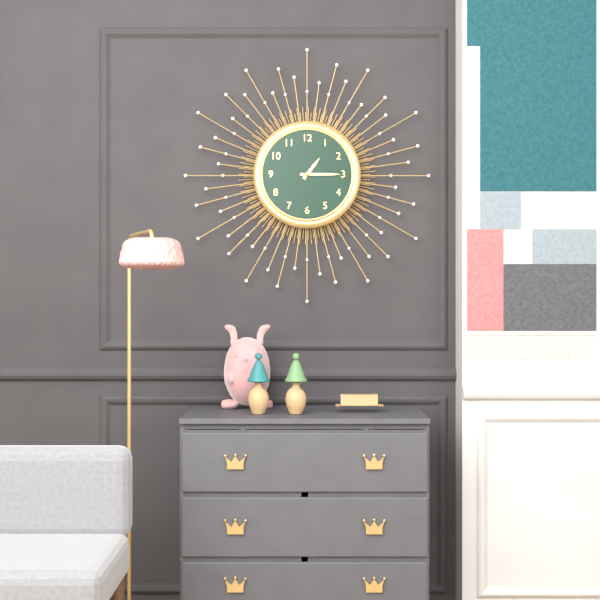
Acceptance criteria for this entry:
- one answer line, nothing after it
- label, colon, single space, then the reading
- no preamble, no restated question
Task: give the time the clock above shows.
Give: 1:15
